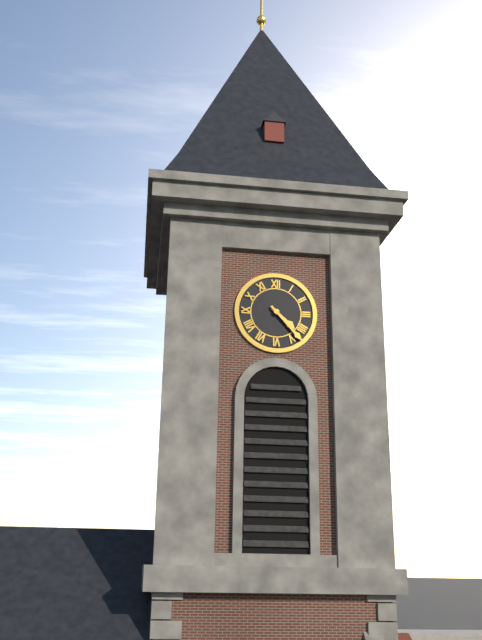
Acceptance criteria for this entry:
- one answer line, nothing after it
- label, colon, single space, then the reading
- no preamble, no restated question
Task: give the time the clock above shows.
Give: 4:23
